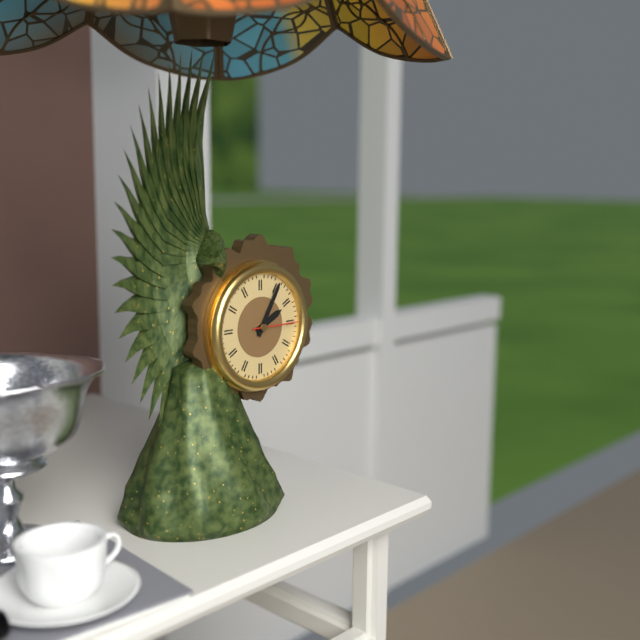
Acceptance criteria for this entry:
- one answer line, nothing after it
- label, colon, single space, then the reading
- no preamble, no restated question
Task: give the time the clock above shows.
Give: 2:05
